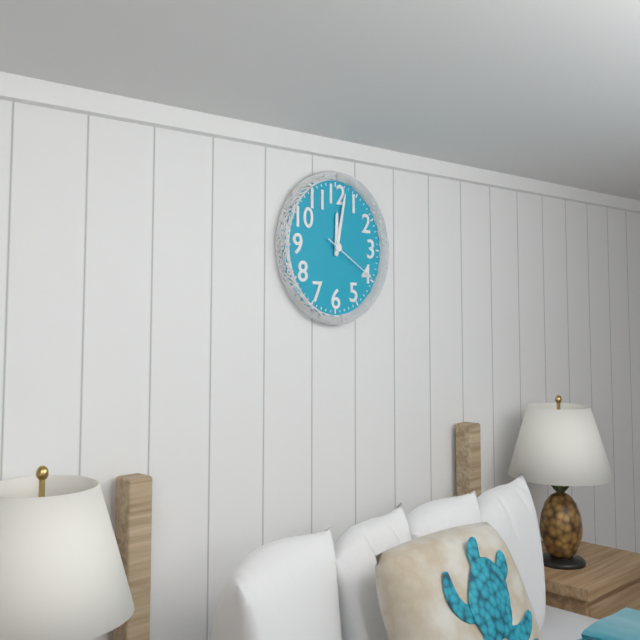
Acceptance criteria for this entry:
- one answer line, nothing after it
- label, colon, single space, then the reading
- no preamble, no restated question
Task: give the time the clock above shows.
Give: 12:02:20
